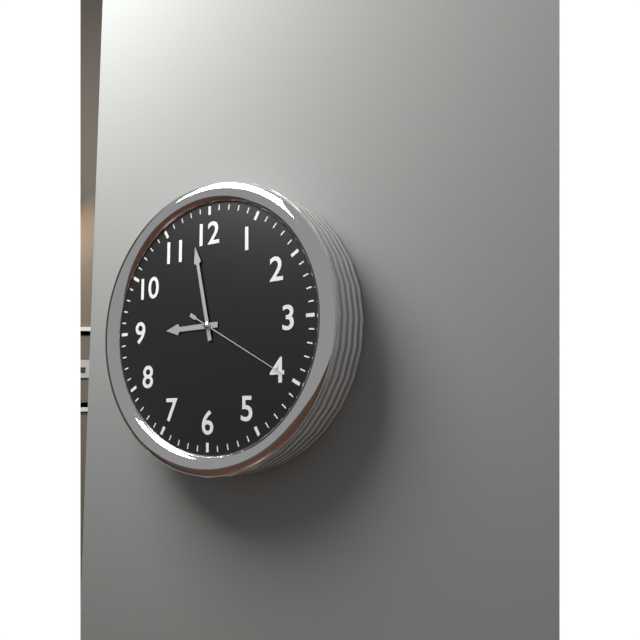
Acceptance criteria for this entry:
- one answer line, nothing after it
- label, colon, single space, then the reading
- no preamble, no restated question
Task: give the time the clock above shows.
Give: 8:58:20
